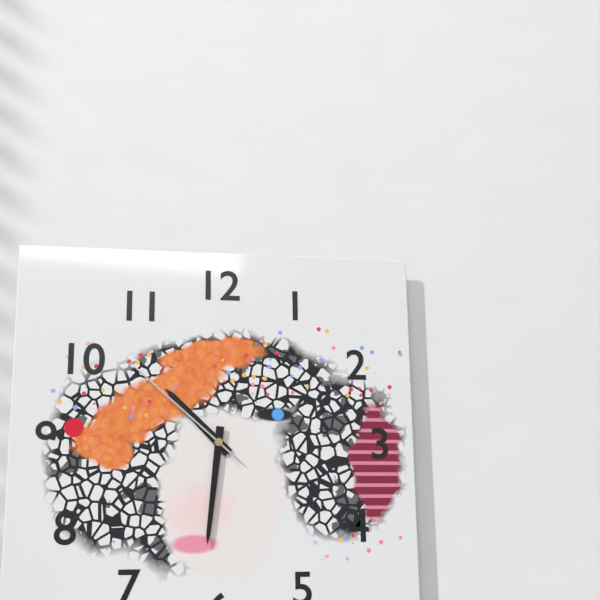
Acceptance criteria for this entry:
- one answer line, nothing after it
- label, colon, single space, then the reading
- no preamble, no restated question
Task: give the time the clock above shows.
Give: 10:31:52
